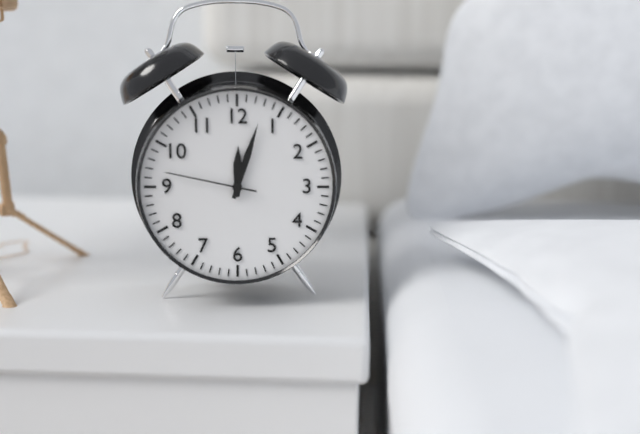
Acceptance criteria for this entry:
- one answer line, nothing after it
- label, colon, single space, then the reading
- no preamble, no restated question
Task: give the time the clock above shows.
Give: 12:03:47
